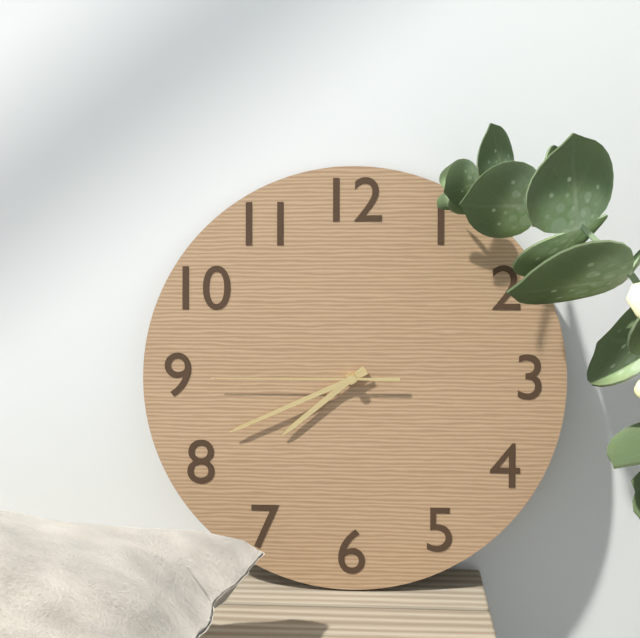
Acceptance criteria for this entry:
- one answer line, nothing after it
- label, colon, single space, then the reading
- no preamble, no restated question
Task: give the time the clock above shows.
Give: 7:41:45
